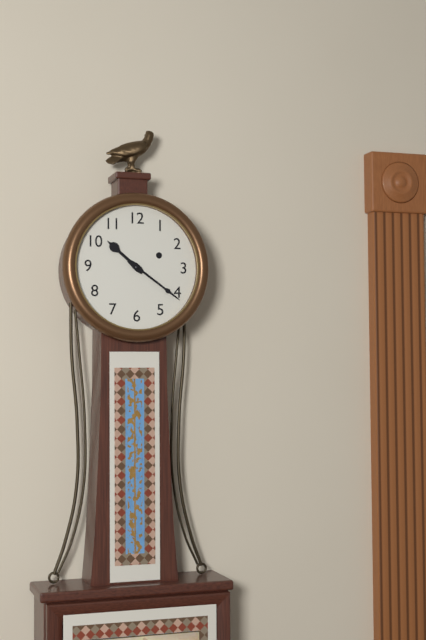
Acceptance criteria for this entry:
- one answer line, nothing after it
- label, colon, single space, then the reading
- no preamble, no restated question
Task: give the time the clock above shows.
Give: 10:21
